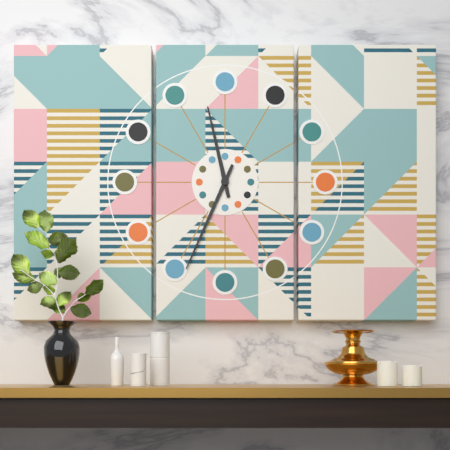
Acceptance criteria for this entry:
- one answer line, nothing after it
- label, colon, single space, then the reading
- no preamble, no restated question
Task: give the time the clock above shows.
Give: 11:34
